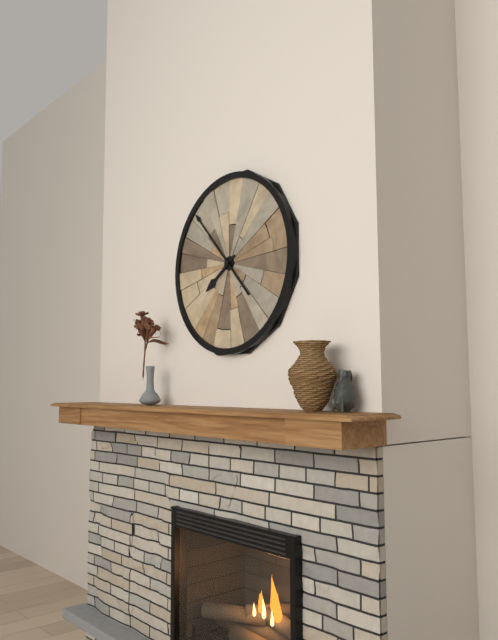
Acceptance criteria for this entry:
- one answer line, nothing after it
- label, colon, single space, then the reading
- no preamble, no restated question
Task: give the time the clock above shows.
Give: 7:53
